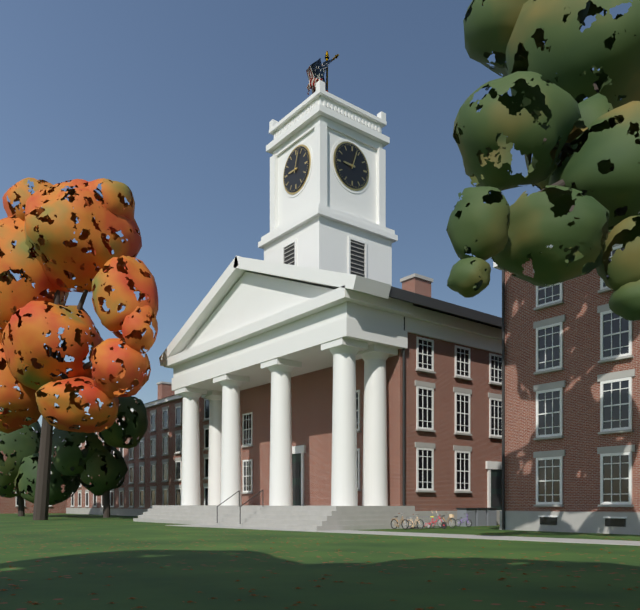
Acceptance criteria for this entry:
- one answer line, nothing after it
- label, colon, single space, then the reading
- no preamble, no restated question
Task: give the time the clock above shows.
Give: 9:03
